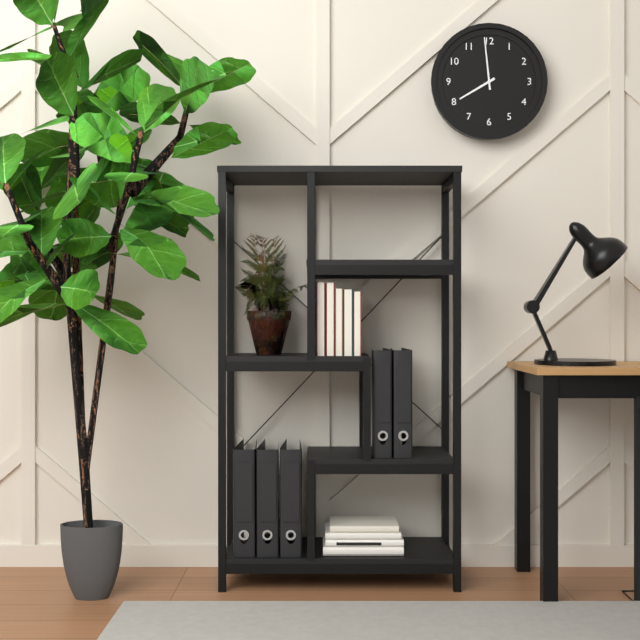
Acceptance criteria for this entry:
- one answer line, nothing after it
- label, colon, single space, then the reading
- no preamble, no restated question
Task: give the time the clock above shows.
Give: 7:59
